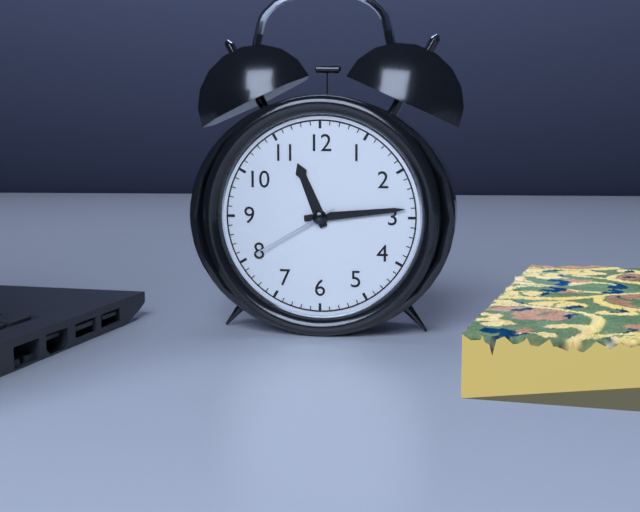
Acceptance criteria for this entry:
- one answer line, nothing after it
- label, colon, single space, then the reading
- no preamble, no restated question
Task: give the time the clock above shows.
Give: 11:14:40
